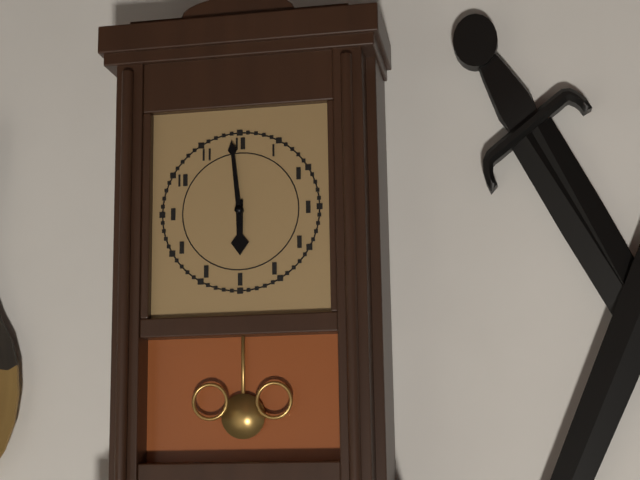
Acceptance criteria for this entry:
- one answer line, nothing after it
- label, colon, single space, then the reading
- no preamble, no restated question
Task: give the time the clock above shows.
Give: 5:59
